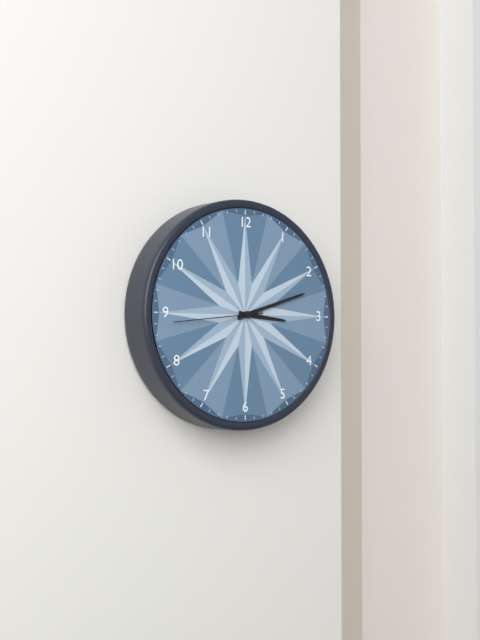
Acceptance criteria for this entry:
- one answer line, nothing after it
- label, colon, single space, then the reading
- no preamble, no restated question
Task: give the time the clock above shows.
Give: 3:12:44
